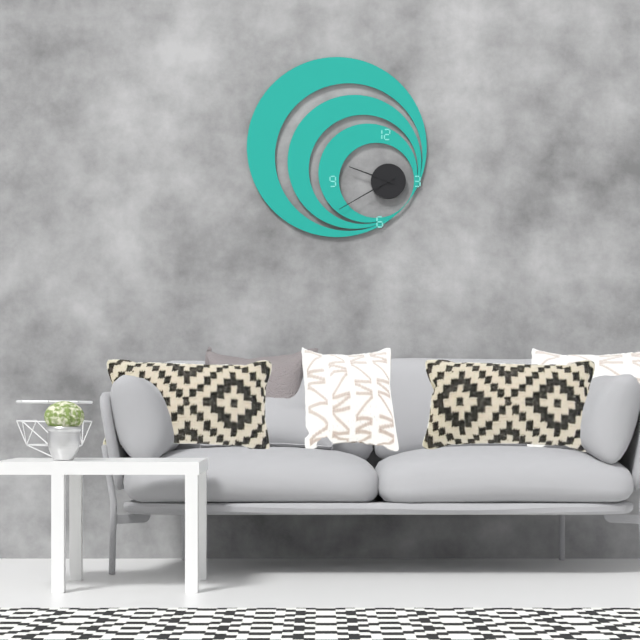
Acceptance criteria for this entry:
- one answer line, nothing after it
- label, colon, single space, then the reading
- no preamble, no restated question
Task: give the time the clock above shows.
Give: 9:40
